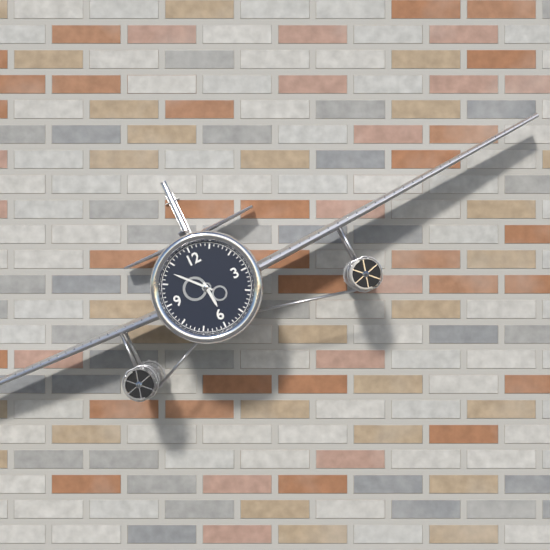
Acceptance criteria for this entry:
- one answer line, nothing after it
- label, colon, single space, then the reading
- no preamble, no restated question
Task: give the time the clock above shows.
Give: 5:53
